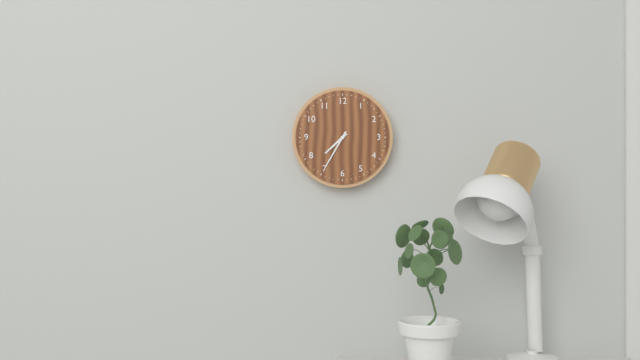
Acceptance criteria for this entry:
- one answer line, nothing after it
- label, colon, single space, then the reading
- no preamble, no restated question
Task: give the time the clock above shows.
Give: 7:35
